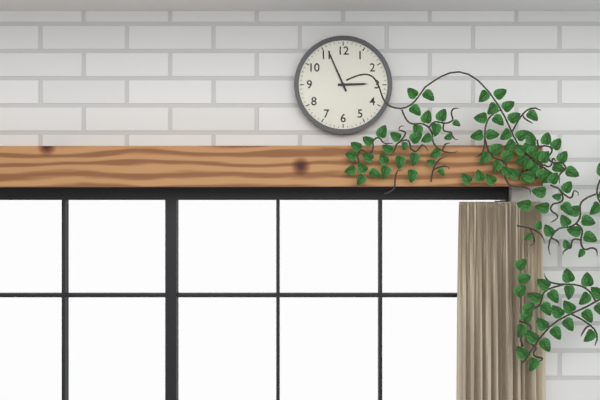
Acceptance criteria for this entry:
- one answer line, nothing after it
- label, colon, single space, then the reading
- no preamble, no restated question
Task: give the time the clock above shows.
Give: 2:56
